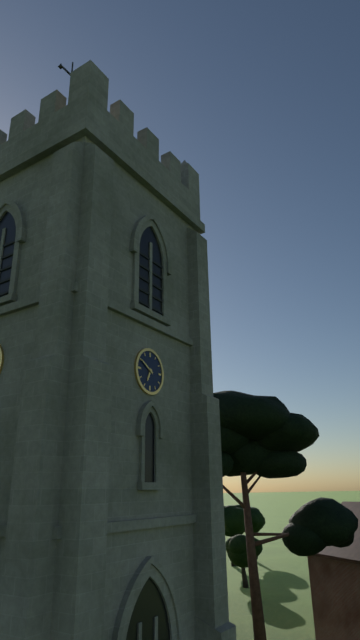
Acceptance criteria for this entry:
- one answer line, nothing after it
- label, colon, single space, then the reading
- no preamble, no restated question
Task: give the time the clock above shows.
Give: 6:50
